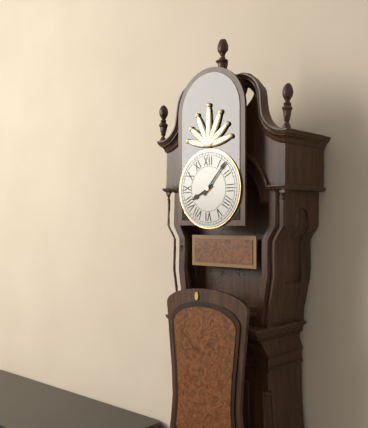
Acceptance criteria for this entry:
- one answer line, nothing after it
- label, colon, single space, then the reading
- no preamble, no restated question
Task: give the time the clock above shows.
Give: 8:07
